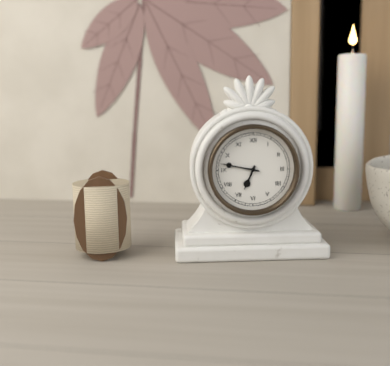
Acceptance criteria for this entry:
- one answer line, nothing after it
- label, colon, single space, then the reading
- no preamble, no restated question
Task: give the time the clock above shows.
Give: 6:47
